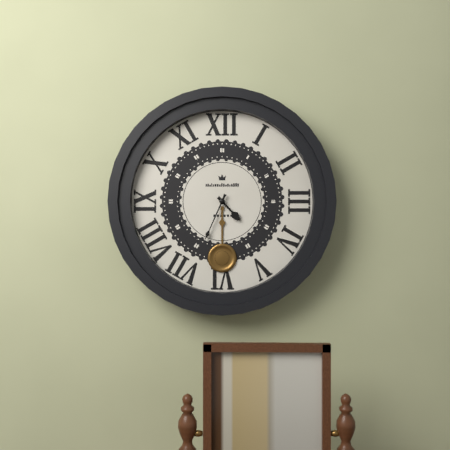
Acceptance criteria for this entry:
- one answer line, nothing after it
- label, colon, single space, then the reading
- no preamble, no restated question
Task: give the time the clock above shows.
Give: 4:34
